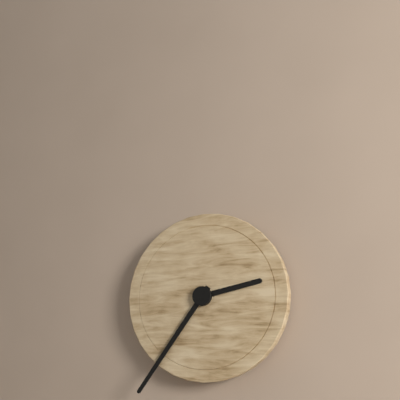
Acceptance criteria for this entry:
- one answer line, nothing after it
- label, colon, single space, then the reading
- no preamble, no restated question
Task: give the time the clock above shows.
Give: 2:36
